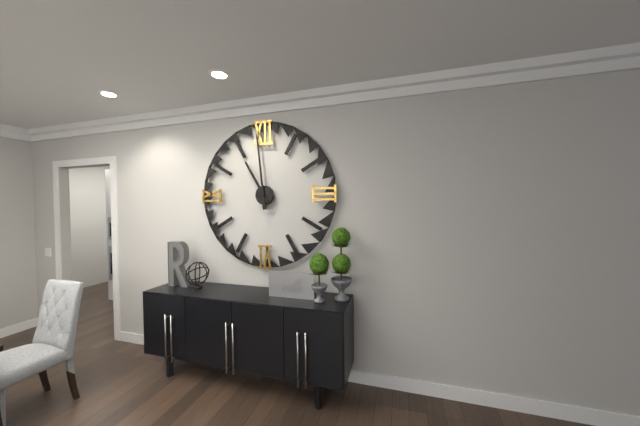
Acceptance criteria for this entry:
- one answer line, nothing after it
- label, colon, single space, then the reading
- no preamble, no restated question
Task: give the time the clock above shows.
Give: 10:59
